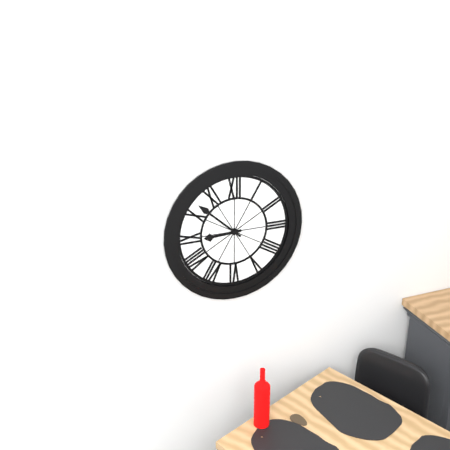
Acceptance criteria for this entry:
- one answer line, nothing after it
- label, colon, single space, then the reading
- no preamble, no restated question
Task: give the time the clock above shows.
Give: 8:52
